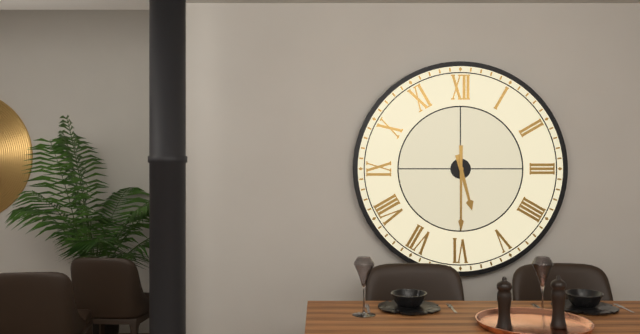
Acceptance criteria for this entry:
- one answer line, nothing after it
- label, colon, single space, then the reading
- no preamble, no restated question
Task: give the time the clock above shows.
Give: 5:30
